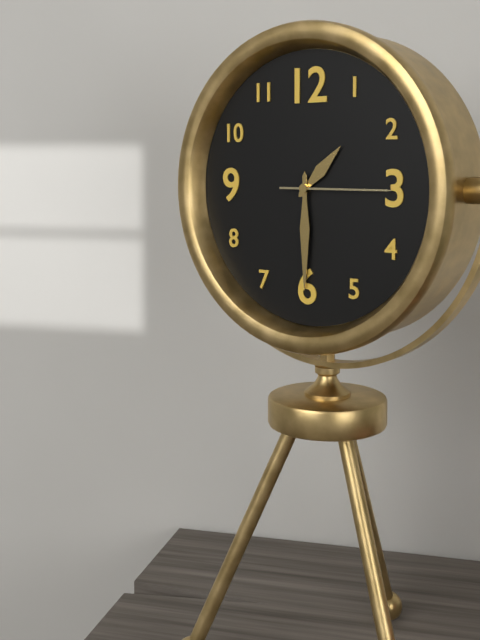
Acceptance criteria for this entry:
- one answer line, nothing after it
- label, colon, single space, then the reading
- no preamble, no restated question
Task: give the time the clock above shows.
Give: 1:30:15
